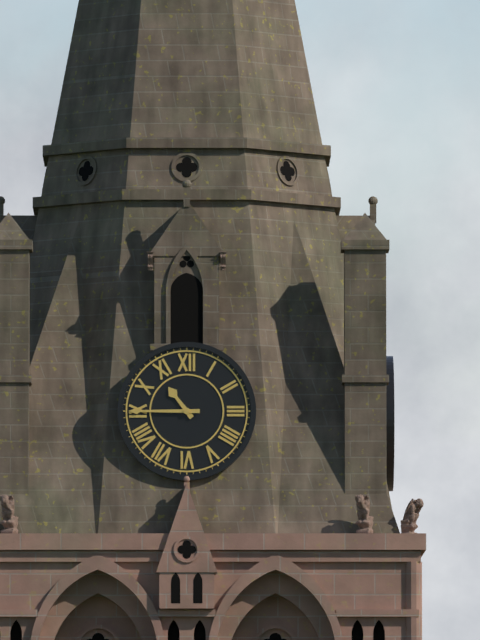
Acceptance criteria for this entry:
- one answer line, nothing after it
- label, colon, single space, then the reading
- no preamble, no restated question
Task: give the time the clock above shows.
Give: 10:45
